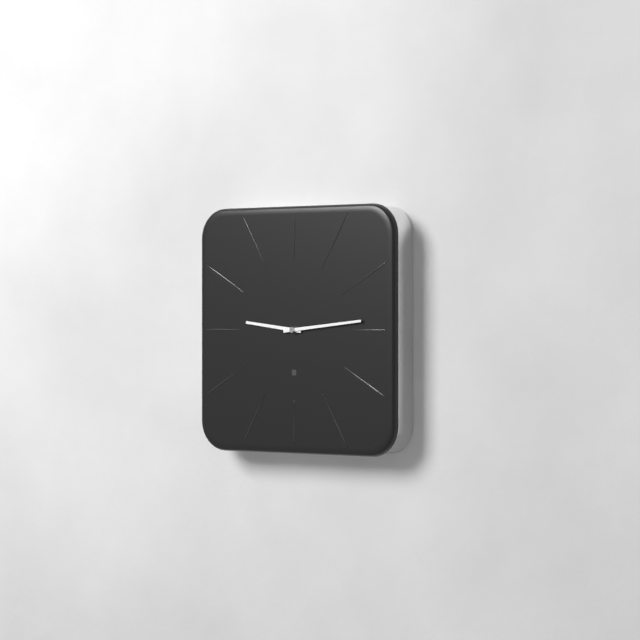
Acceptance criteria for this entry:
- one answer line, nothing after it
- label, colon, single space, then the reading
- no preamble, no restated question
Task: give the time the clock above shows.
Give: 9:14
